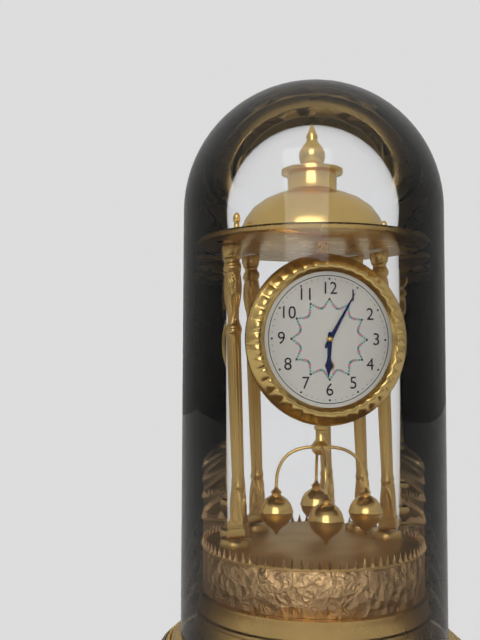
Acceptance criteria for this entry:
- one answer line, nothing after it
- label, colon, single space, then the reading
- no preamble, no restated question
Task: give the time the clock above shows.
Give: 6:05
